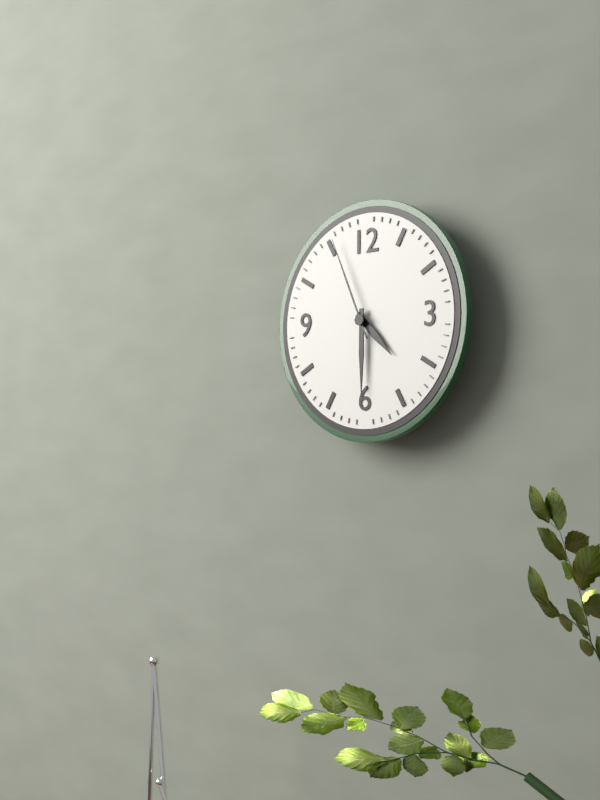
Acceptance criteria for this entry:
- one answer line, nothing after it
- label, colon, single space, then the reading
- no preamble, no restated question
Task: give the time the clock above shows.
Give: 4:30:56
